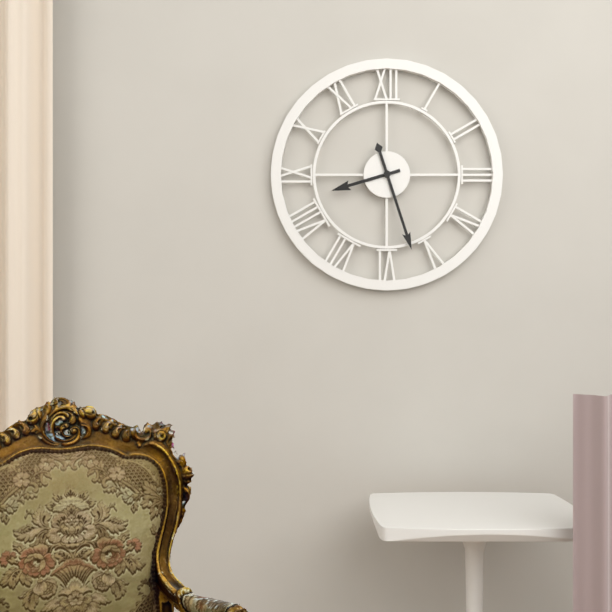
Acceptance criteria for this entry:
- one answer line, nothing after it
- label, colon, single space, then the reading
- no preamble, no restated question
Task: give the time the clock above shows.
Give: 8:27
